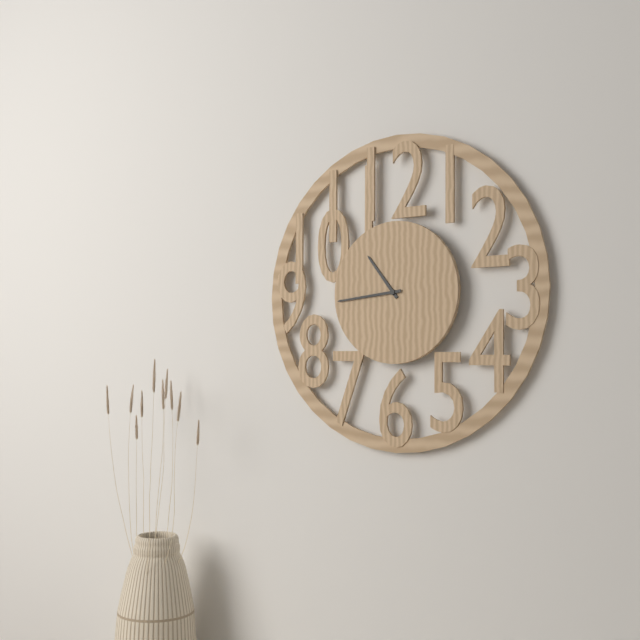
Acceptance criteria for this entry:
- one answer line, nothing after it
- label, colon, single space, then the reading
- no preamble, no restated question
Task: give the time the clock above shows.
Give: 10:44
